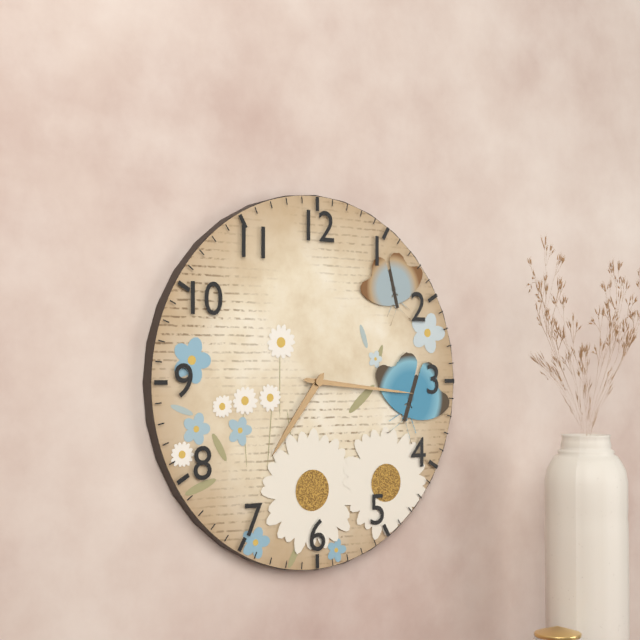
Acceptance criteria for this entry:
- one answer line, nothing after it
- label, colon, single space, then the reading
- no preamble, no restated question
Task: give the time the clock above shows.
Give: 7:16
